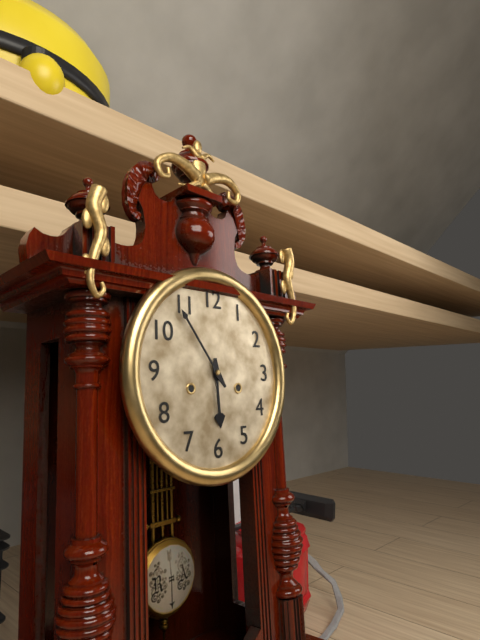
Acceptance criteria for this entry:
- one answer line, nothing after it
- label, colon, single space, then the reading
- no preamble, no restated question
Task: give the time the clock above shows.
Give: 5:54
